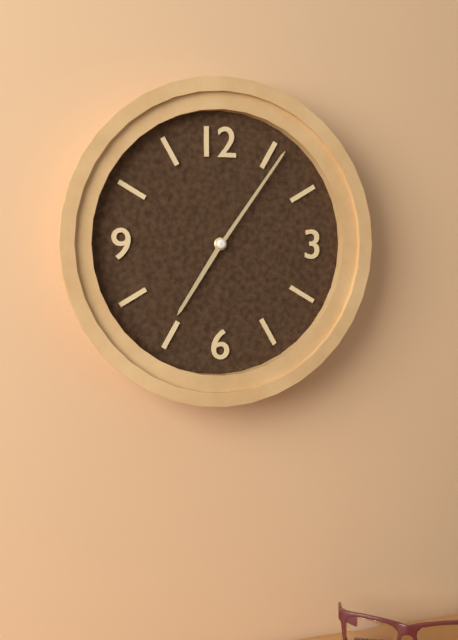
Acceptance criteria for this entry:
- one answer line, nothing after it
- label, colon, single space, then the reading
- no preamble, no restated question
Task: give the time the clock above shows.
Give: 7:06
